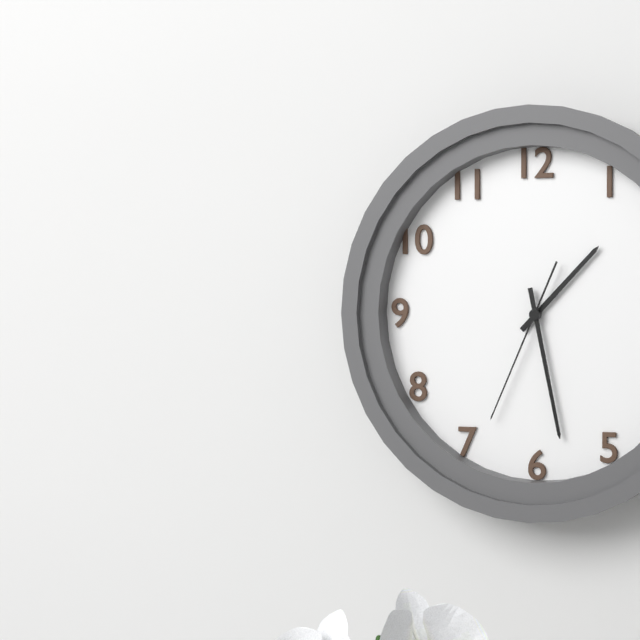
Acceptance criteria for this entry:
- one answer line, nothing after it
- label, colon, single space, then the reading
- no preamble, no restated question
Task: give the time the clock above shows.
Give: 1:28:34
